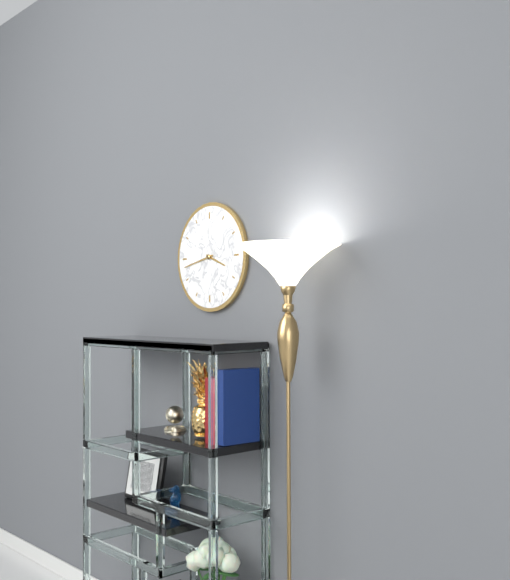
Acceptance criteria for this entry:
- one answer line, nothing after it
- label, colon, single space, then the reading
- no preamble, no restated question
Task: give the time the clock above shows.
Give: 3:43
